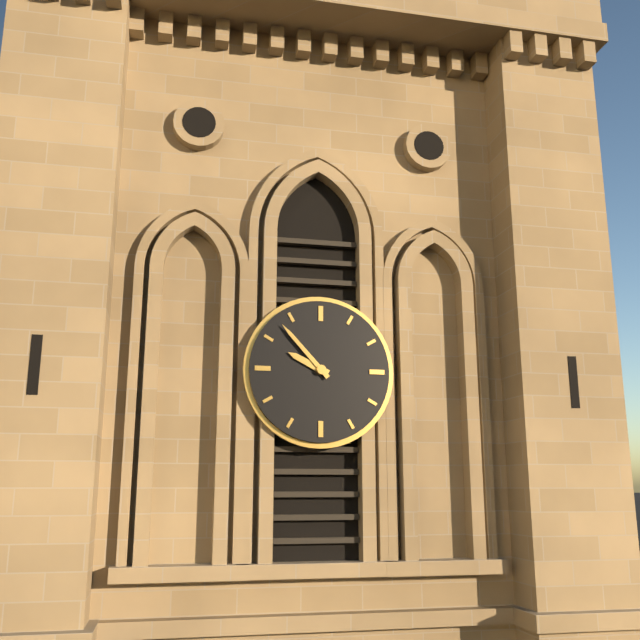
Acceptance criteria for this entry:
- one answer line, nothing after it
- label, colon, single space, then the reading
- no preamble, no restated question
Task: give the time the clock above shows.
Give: 9:53
